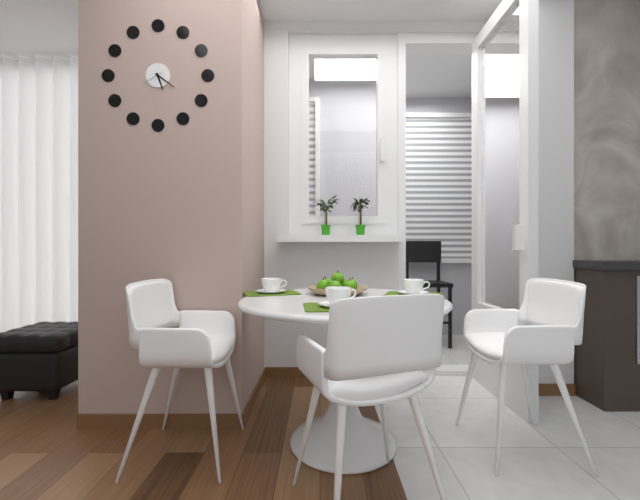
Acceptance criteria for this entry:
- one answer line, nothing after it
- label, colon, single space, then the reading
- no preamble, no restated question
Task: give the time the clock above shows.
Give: 5:21
